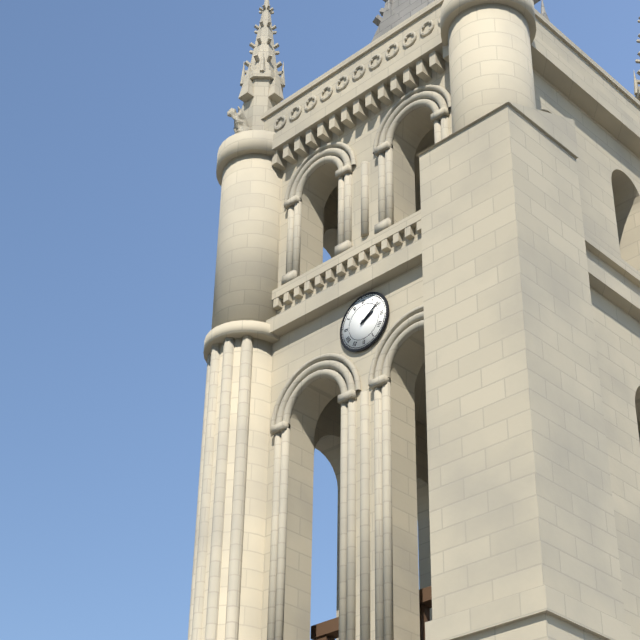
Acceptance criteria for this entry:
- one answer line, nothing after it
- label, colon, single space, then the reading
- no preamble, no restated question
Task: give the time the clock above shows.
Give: 2:09
